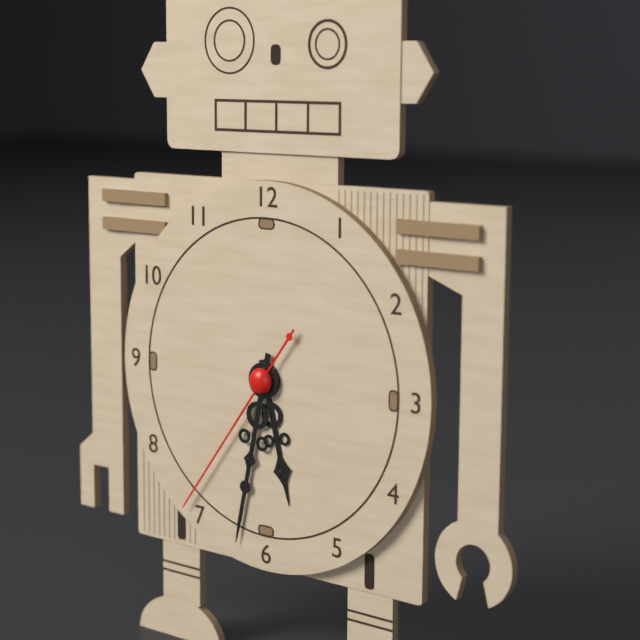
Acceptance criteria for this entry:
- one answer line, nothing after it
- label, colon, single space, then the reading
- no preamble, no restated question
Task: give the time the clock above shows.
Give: 5:32:36
